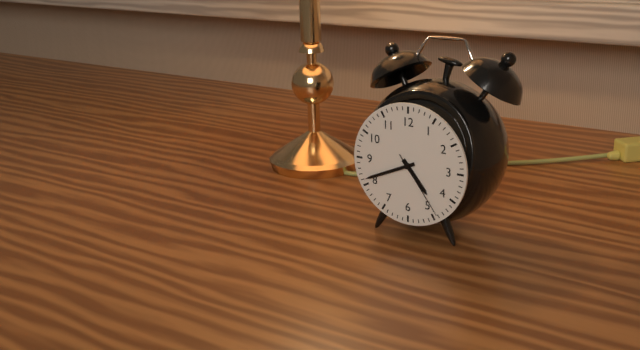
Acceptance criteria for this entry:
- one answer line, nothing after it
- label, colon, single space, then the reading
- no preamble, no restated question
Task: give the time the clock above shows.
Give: 4:41:24
